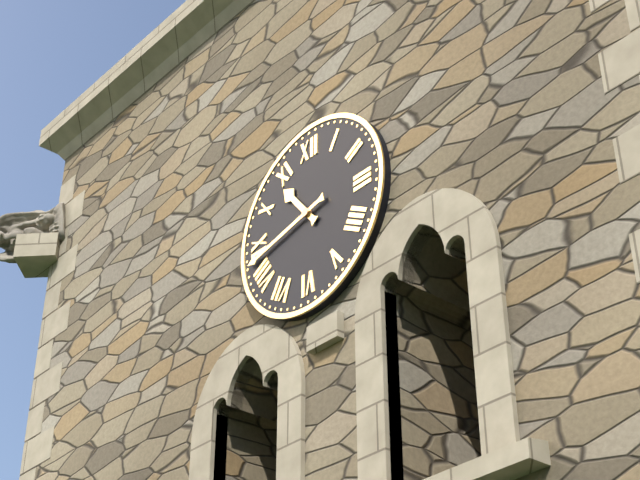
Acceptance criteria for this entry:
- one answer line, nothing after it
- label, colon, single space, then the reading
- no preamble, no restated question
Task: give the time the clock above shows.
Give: 10:43
